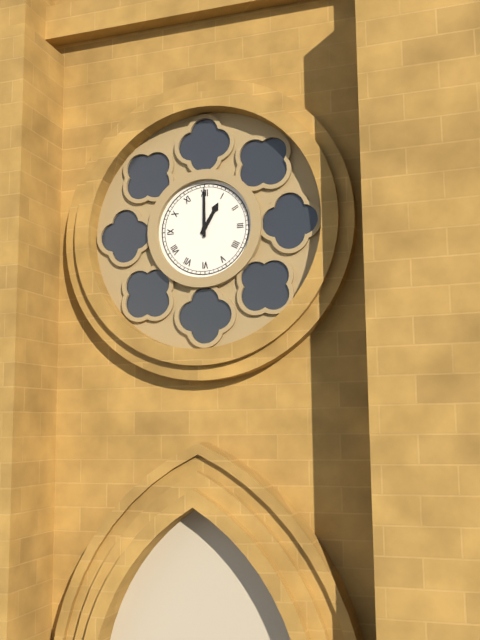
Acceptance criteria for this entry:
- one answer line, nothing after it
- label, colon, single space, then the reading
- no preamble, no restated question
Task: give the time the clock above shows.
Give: 1:00
